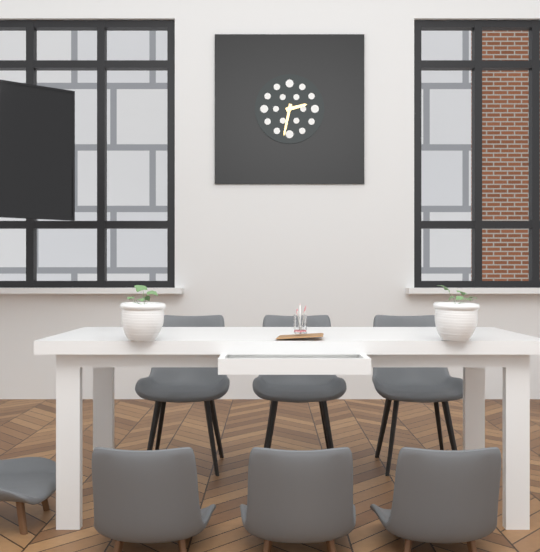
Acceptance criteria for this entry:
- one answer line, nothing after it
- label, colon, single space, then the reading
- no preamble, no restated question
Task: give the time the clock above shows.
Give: 2:32
